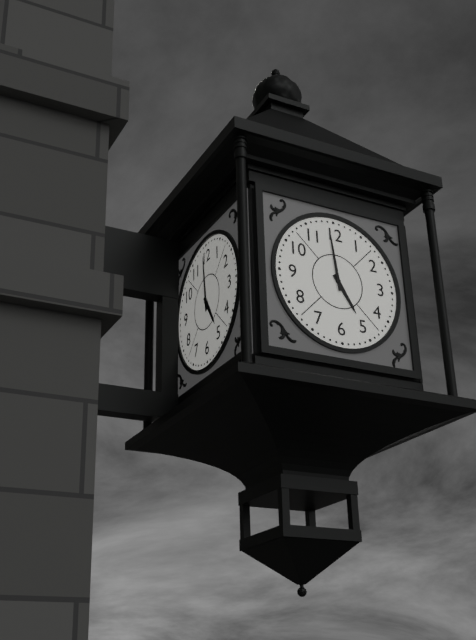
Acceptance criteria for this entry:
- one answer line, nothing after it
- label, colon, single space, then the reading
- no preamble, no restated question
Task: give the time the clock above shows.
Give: 4:59
